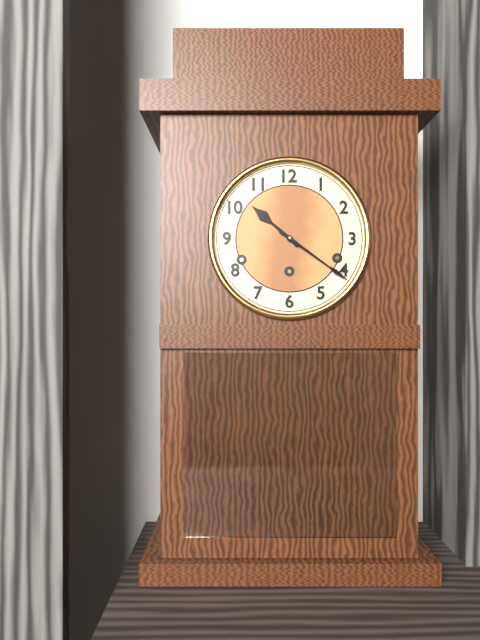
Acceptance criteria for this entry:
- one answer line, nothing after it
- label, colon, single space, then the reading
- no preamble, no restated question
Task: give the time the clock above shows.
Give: 10:21
